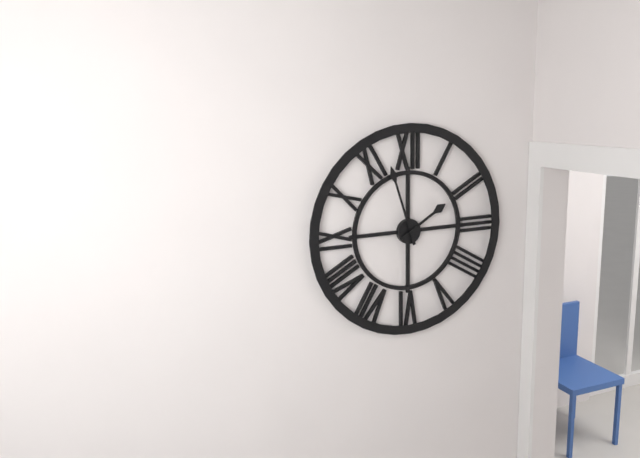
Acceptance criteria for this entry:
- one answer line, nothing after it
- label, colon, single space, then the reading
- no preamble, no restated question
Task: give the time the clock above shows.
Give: 1:57
